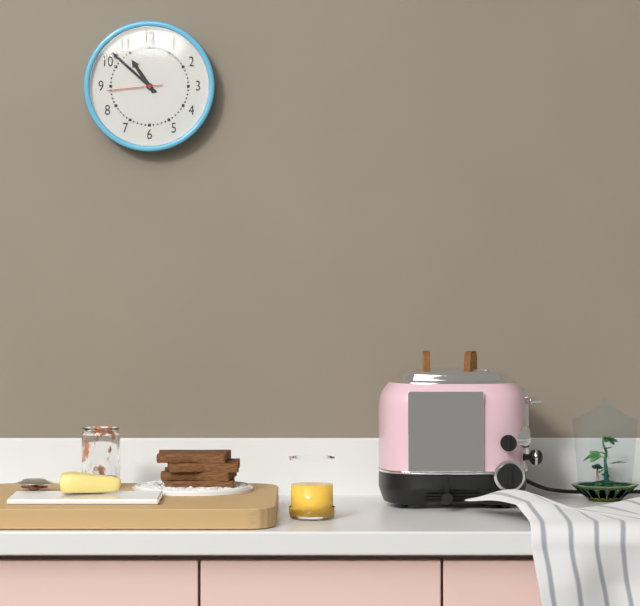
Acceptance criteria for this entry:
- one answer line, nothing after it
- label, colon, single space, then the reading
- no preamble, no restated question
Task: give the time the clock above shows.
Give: 10:52:44
